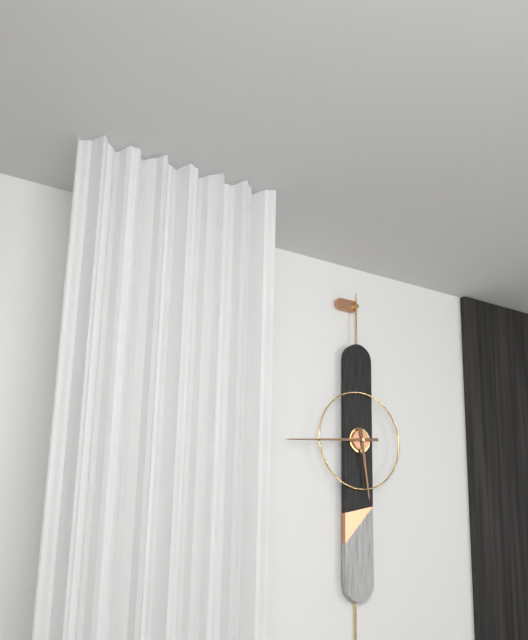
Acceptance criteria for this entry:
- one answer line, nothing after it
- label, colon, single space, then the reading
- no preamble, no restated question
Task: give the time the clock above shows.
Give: 5:44
